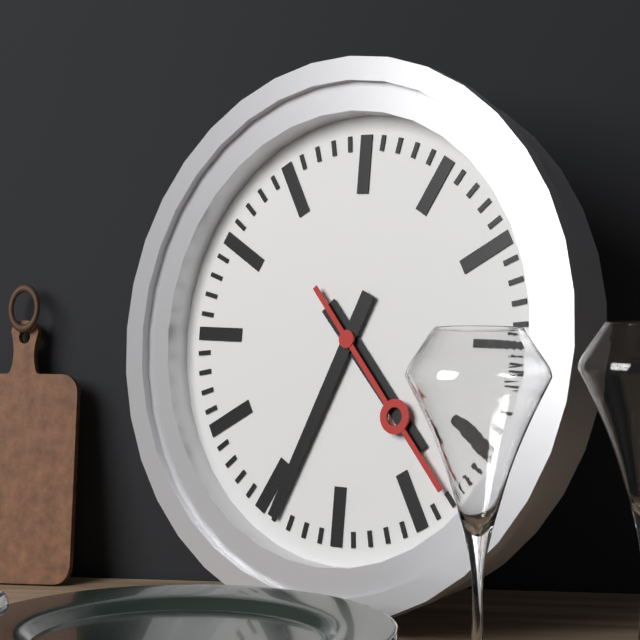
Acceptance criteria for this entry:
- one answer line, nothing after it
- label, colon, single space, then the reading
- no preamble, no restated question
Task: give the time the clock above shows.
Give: 4:34:23
